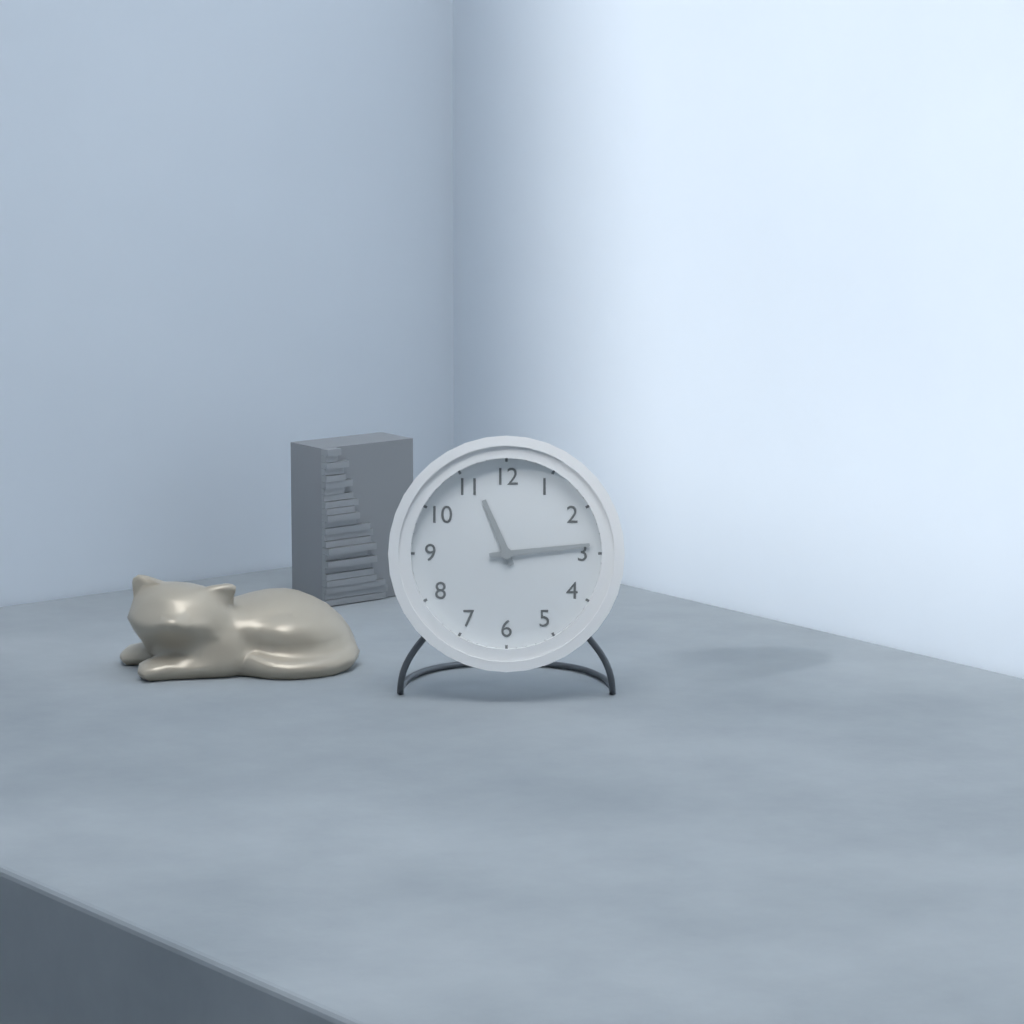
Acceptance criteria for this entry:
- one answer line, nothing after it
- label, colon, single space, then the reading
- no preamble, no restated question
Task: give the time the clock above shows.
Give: 11:14
